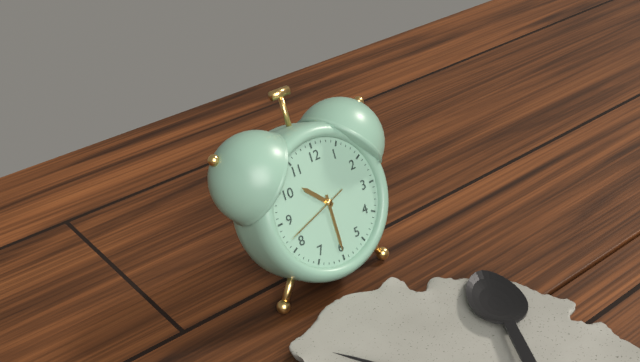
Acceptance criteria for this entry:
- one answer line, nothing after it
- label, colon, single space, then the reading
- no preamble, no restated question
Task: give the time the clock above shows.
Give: 10:30:42
